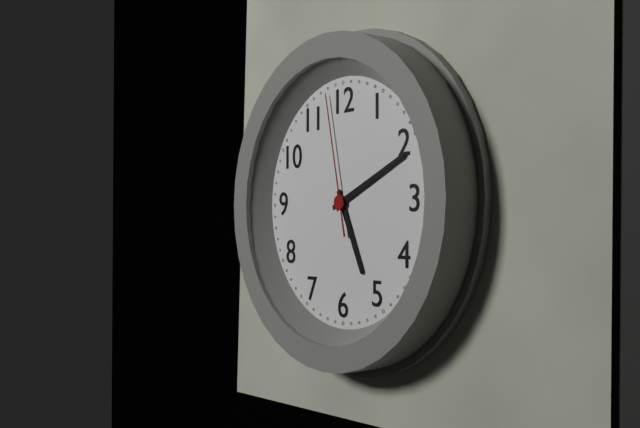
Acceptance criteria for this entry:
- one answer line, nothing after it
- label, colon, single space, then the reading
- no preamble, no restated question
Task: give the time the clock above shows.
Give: 5:11:58
